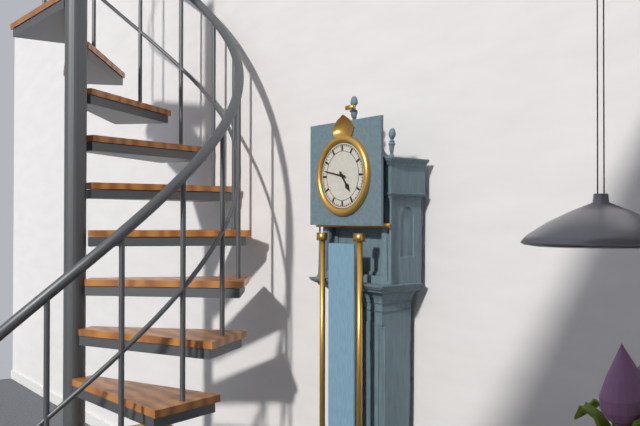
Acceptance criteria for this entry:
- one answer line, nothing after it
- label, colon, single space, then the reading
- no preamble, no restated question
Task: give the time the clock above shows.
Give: 4:47
